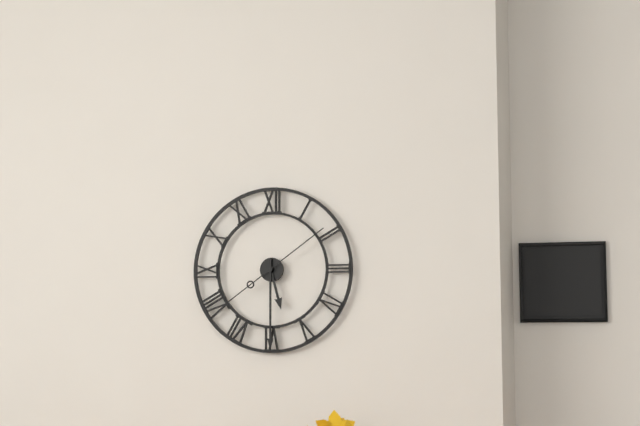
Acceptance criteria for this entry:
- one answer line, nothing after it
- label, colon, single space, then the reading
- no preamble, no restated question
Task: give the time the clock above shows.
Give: 5:30:09
